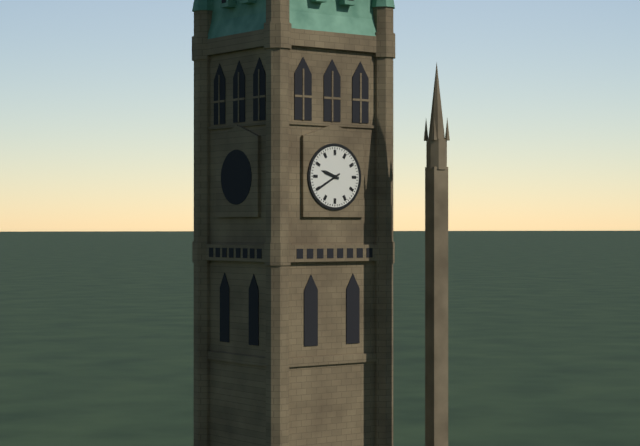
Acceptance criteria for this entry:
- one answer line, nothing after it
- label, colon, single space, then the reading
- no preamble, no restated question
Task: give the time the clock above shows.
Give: 9:40
